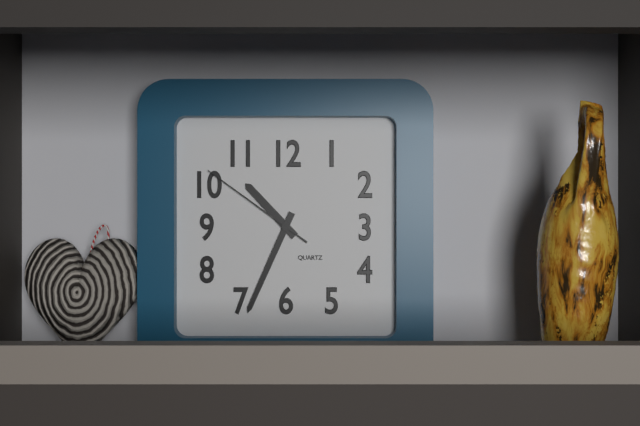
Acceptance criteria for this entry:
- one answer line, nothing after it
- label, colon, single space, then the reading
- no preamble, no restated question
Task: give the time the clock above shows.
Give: 10:34:51
